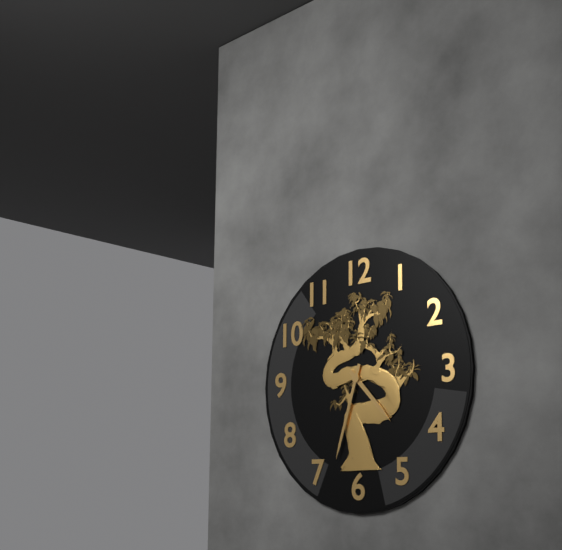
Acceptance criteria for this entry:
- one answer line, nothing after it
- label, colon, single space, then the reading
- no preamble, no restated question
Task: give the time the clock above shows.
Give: 4:33
